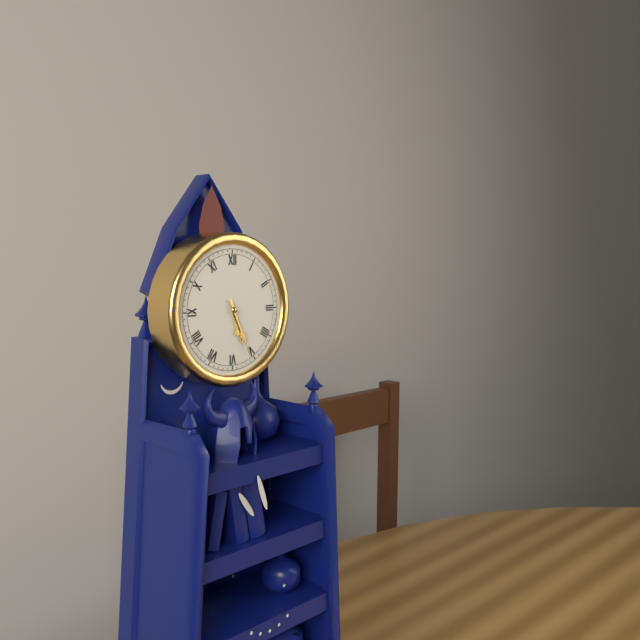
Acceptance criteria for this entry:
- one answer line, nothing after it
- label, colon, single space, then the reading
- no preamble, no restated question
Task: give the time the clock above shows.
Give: 5:26
